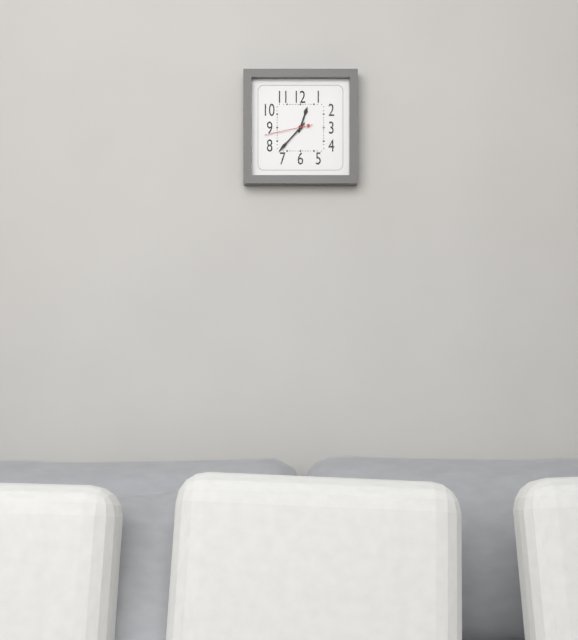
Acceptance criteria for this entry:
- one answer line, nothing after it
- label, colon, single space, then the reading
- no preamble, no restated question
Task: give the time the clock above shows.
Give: 12:37
